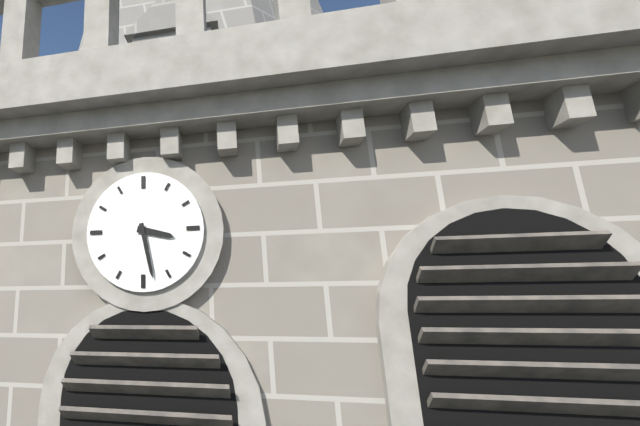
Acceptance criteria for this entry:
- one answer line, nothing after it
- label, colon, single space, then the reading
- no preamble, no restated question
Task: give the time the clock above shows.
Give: 3:28
